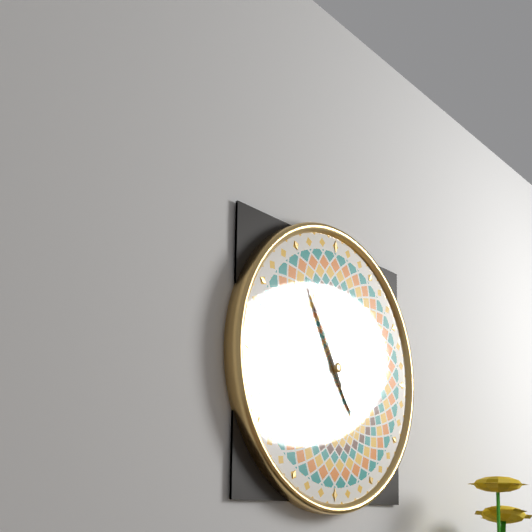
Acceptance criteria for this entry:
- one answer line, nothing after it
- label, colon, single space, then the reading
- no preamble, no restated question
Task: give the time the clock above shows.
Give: 4:55
